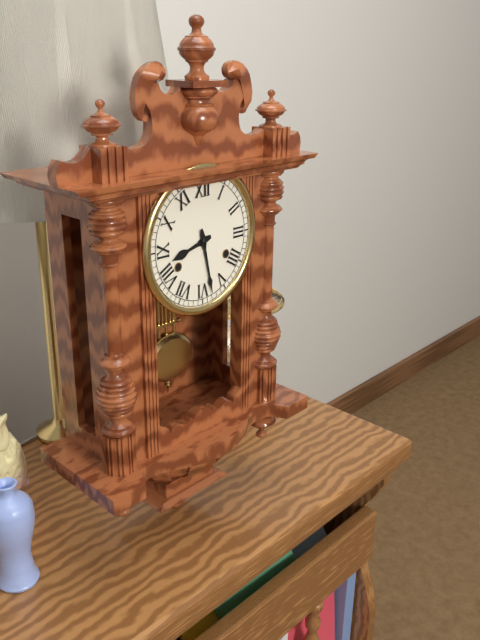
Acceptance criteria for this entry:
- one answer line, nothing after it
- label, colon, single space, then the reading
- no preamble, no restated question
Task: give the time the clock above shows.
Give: 8:28
